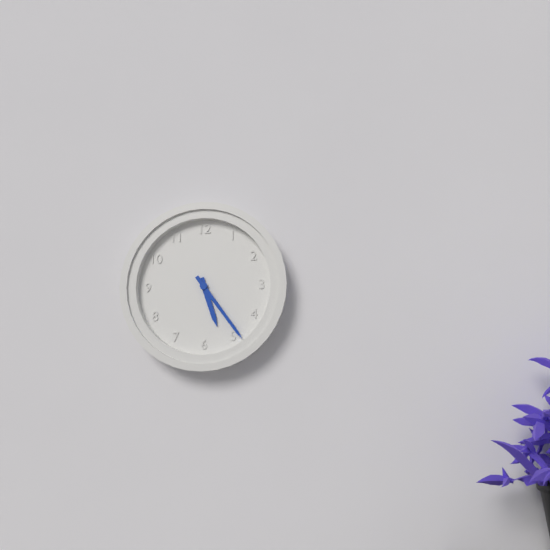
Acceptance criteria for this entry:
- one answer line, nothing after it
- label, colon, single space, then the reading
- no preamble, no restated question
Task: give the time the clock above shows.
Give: 5:24
